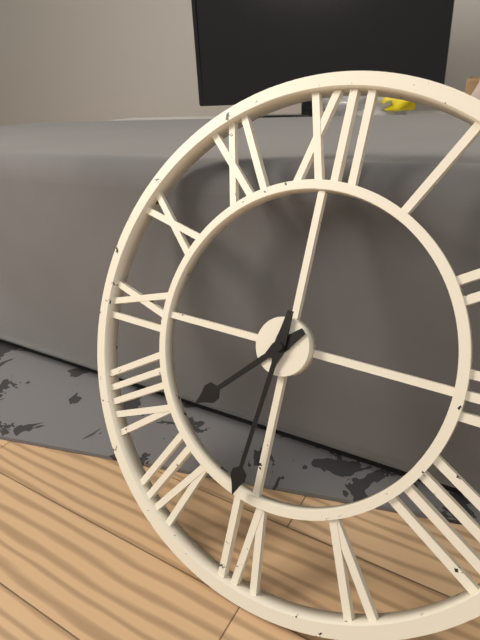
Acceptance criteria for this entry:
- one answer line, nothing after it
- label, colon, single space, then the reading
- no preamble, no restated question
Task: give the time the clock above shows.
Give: 7:31
